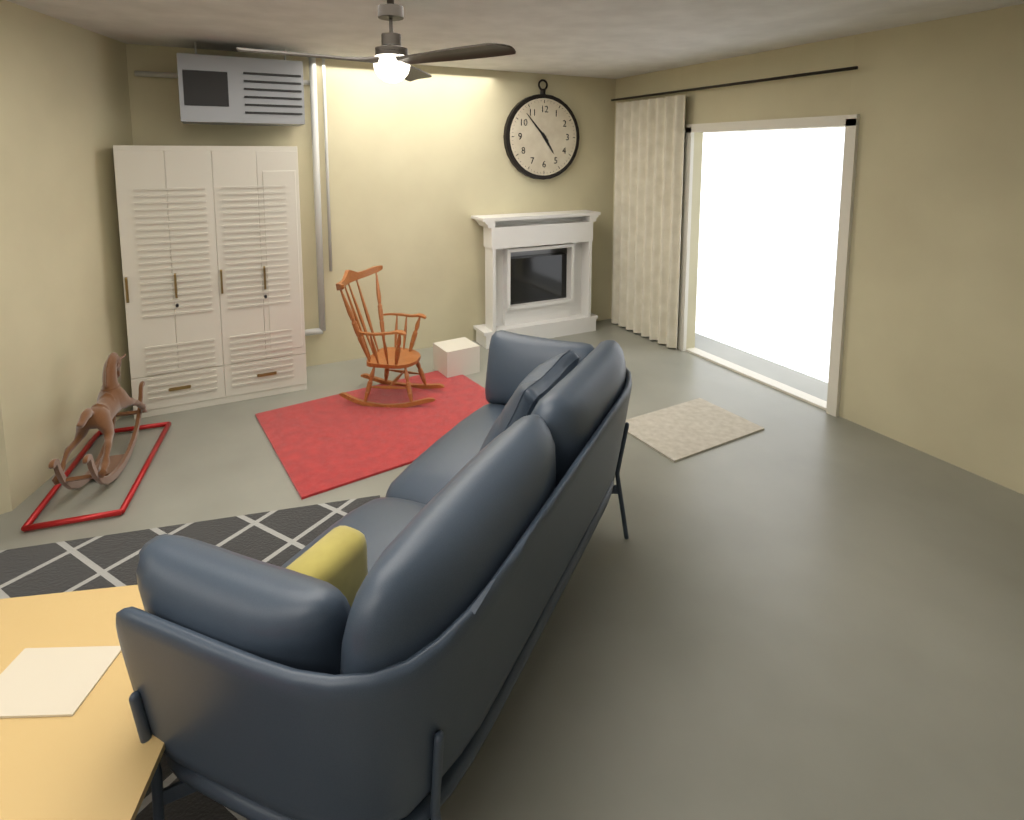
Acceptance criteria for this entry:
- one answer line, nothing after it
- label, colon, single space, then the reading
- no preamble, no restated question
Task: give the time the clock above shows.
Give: 4:53
